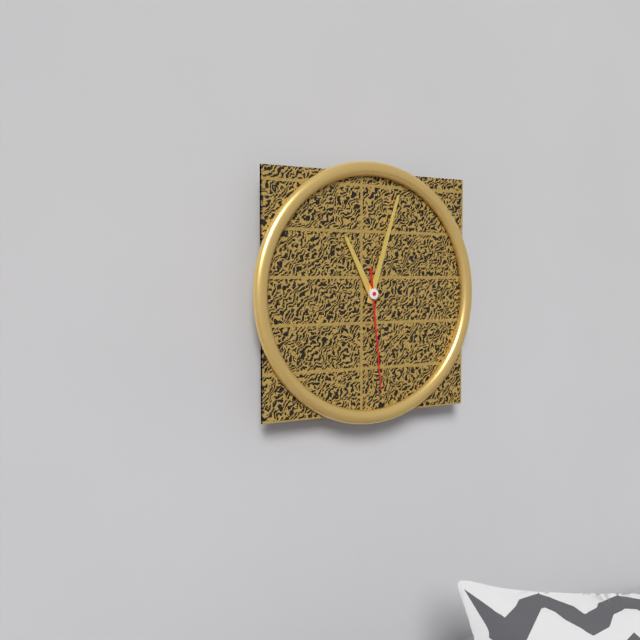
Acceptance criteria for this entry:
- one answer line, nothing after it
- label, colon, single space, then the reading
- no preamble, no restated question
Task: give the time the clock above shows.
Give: 11:03:29
